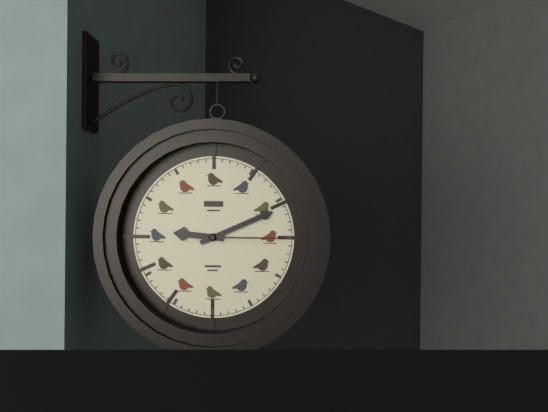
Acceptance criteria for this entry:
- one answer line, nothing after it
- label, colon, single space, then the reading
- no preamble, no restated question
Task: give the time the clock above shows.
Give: 9:11:15
